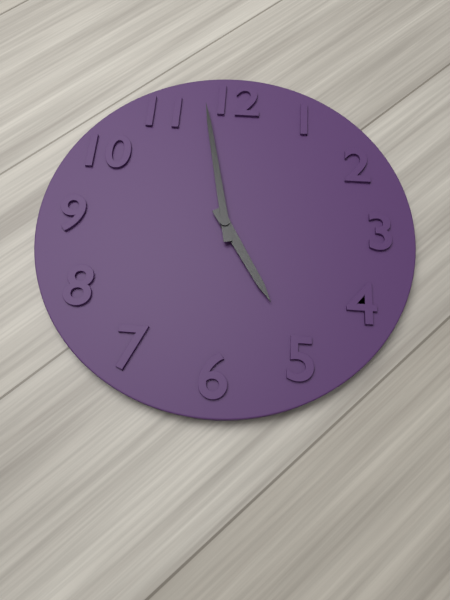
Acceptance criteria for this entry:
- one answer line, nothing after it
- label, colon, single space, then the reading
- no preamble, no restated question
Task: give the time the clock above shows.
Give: 4:58
